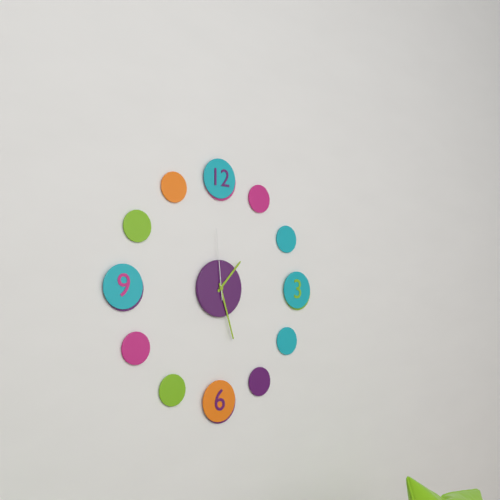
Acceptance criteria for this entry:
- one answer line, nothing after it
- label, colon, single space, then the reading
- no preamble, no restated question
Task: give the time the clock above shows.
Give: 1:27:59
